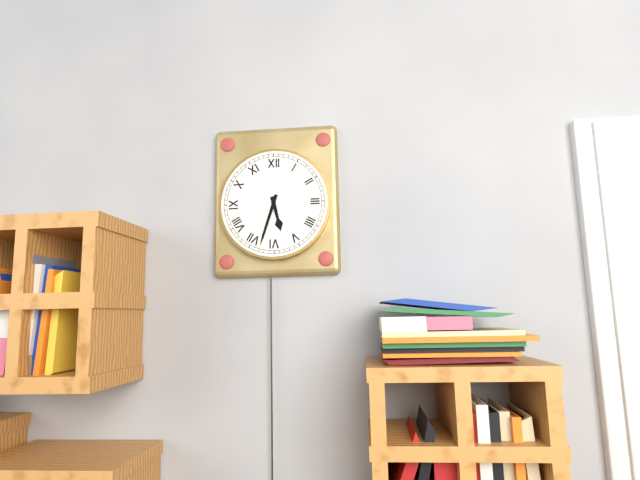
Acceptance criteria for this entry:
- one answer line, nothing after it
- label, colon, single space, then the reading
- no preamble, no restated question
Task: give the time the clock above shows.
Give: 5:33
